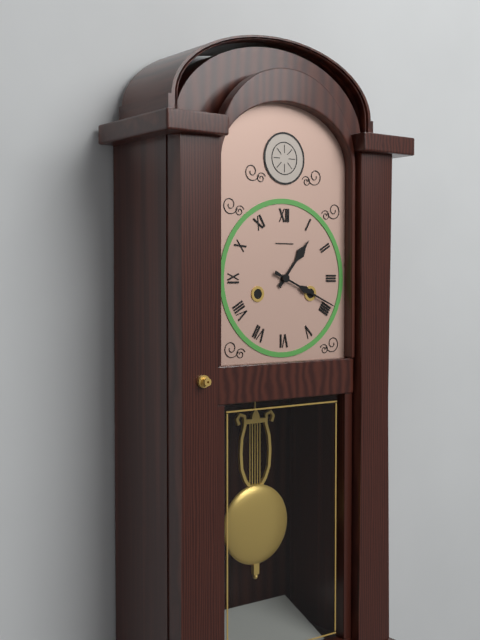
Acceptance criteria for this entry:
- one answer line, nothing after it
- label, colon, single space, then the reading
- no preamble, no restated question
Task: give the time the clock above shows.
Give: 1:19
